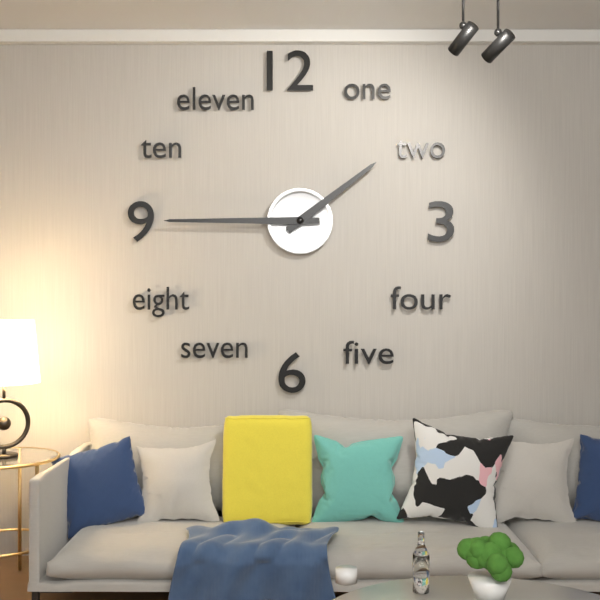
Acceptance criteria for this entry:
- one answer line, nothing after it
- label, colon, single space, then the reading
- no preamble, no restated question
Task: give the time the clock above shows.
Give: 1:45
